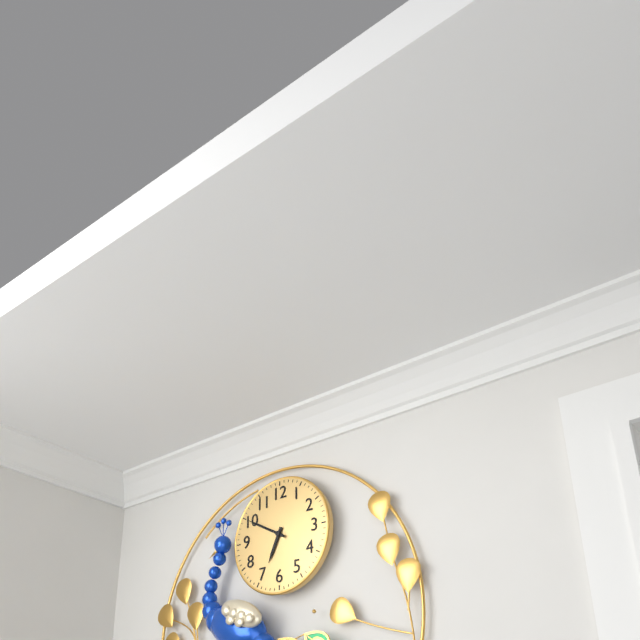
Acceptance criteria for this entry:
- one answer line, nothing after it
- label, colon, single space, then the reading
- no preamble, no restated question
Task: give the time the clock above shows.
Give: 6:50
